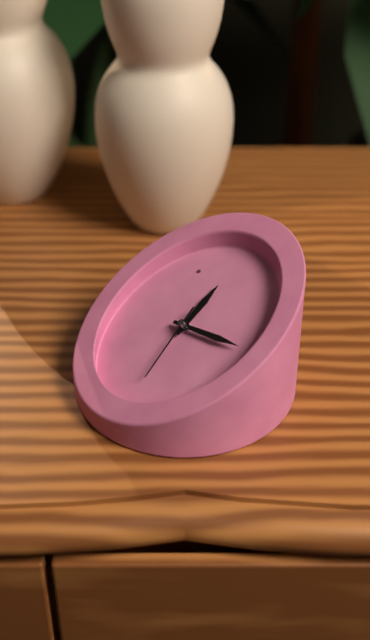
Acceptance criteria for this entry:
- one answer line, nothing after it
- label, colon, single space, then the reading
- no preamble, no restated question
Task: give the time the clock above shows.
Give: 2:26:41
